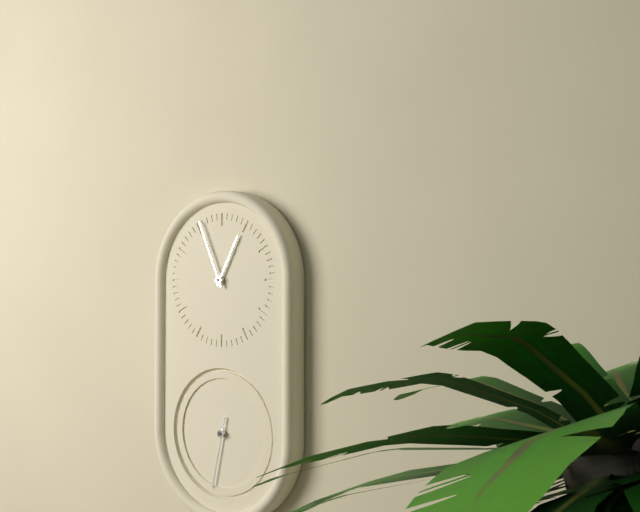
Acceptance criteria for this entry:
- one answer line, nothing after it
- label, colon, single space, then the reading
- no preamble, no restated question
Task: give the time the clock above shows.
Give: 12:56:32
